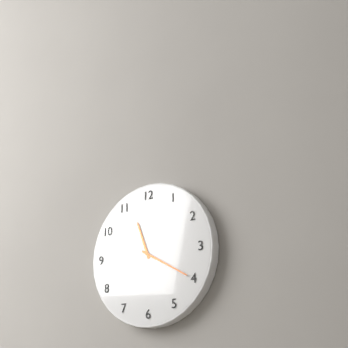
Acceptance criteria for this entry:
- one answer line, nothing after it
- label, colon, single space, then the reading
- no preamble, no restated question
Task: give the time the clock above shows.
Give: 11:20
